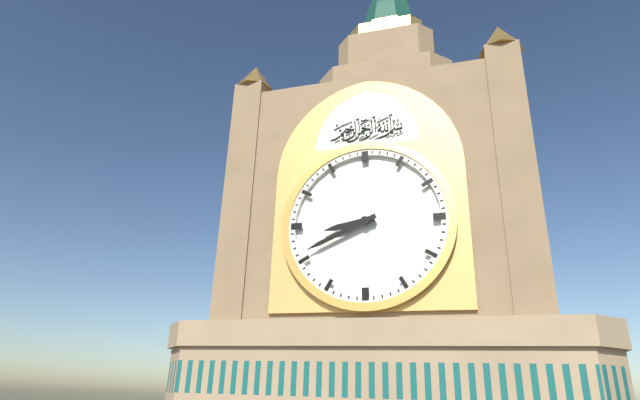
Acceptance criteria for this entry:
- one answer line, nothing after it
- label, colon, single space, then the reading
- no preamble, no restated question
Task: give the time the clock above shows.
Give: 8:41
